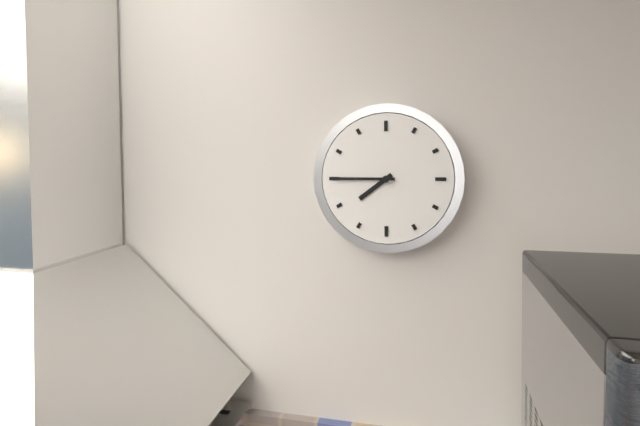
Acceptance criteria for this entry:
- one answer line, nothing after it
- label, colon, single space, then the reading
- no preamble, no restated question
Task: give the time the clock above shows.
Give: 7:45
